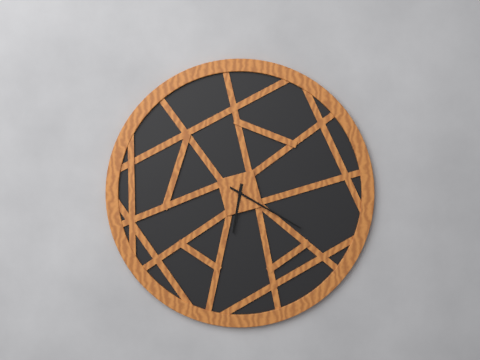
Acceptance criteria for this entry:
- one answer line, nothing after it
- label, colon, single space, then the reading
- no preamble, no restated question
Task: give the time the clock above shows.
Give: 6:20
